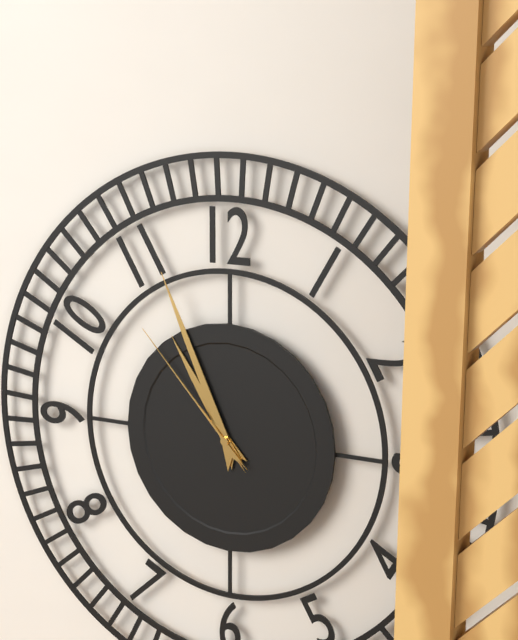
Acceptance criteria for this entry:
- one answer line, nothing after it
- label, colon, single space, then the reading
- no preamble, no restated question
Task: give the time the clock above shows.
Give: 10:56:53
